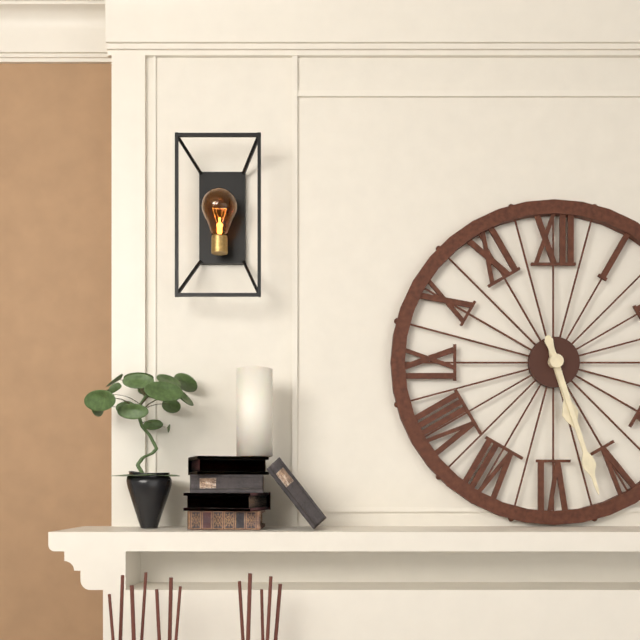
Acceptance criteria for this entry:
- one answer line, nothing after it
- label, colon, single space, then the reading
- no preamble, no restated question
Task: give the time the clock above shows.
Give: 5:27
